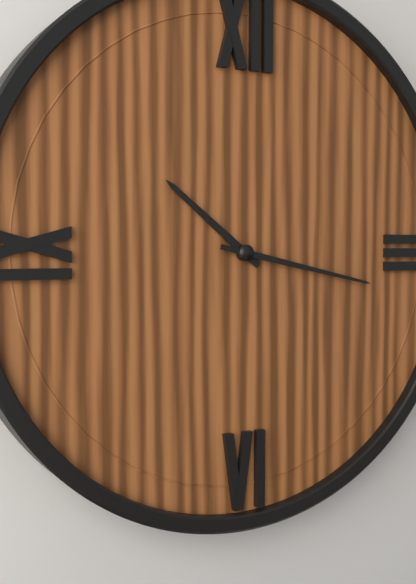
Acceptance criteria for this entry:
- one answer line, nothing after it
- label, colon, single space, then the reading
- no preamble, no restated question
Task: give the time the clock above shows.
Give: 10:17
